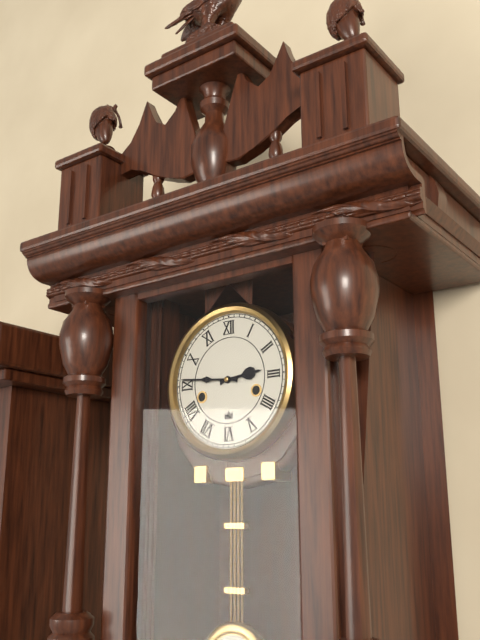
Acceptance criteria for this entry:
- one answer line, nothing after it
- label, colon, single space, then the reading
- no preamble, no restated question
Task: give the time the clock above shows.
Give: 2:46
